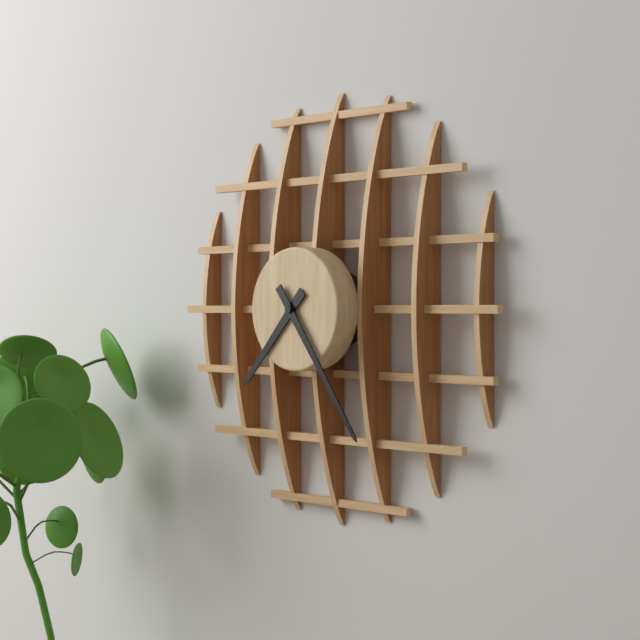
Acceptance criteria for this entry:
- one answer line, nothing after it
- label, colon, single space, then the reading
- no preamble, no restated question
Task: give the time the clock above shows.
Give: 7:24
